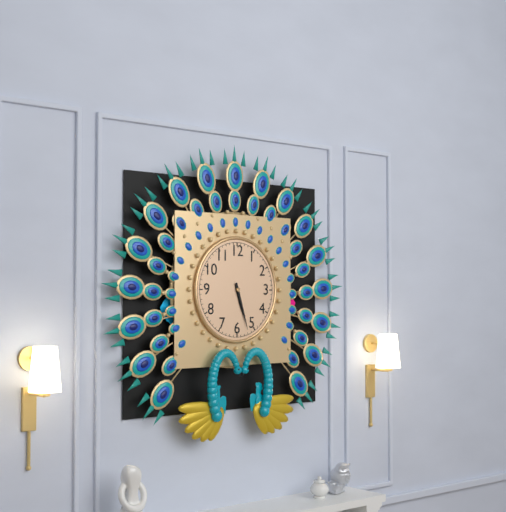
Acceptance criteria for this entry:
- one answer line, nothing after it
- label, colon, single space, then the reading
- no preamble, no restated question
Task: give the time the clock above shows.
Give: 5:27
